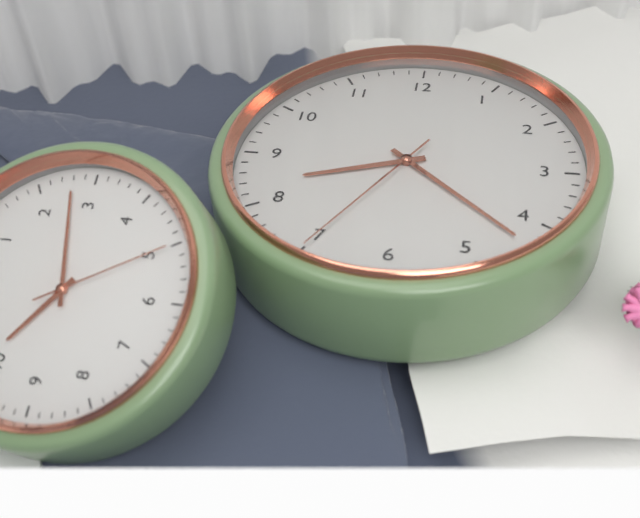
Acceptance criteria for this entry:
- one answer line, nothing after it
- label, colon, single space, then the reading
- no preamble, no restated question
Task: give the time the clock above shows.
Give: 8:22:35
